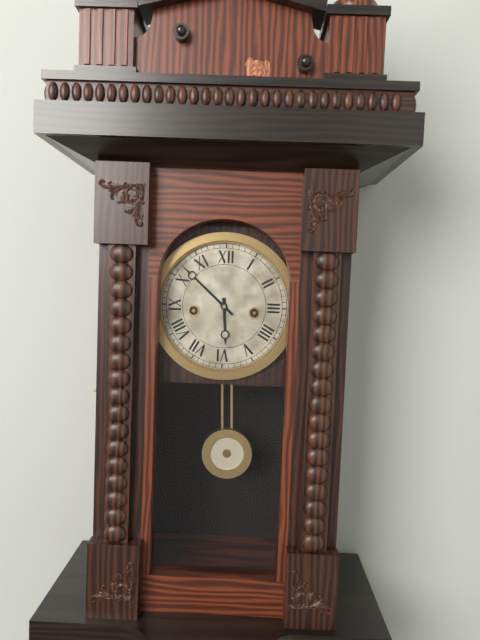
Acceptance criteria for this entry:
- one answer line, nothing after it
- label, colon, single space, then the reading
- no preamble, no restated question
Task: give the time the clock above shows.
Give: 5:52
